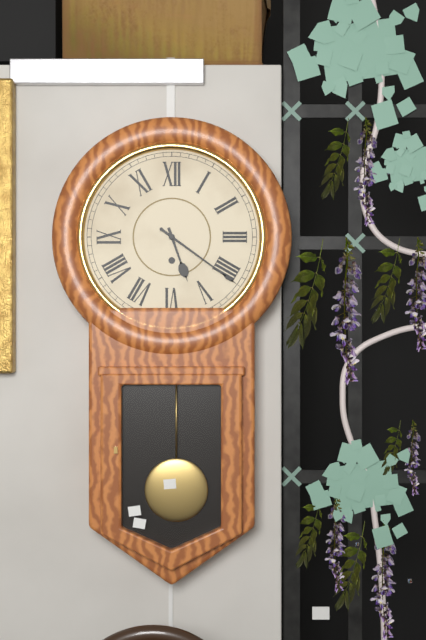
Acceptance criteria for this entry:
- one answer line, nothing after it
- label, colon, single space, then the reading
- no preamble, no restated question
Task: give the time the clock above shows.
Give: 5:21
